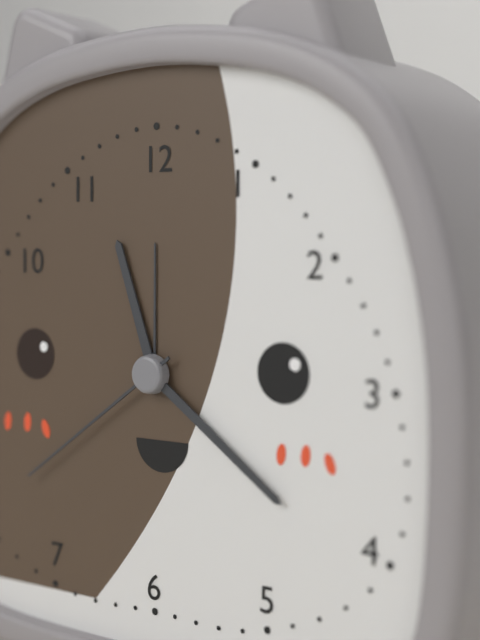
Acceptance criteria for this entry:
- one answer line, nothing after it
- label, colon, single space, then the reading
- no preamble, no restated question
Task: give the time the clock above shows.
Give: 11:21:39
